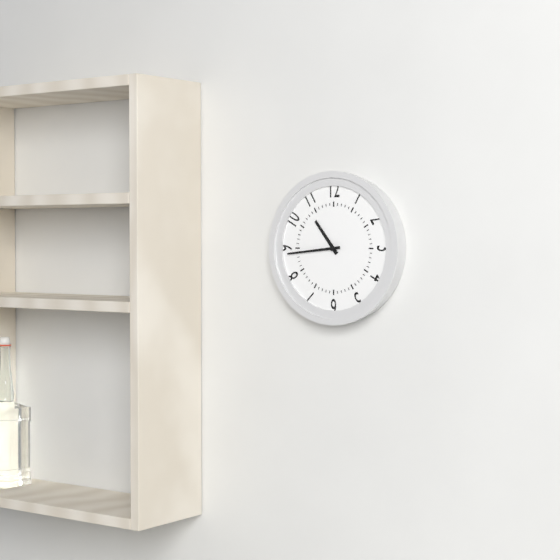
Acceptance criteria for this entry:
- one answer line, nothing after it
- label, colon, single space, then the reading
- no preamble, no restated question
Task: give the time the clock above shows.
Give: 10:44
